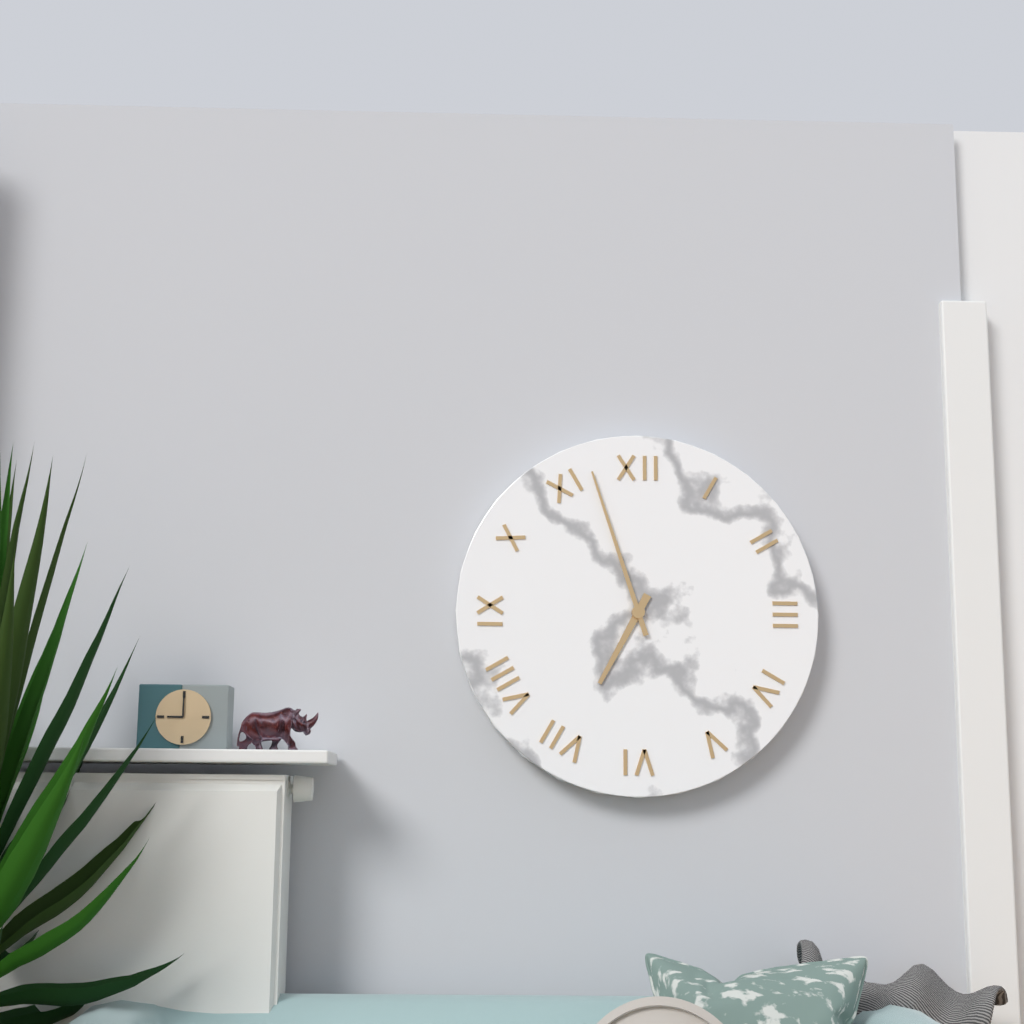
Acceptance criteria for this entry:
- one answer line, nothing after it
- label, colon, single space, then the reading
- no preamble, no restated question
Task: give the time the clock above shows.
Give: 6:57
